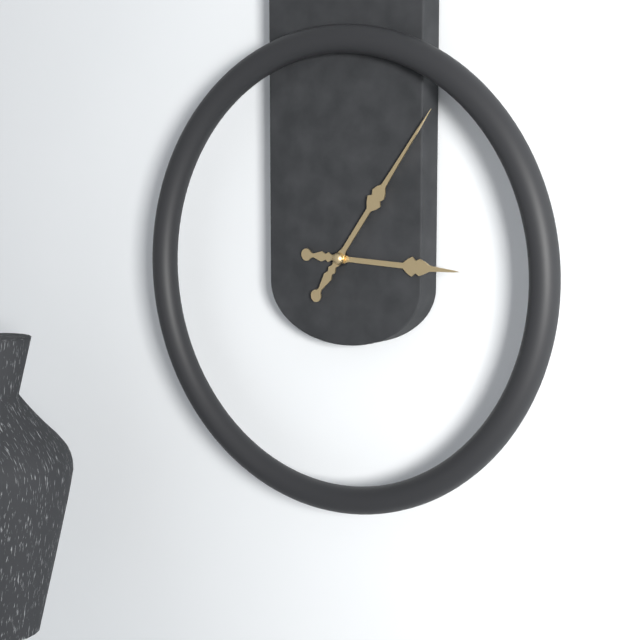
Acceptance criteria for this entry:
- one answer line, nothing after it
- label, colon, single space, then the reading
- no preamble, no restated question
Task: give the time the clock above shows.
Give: 3:06
